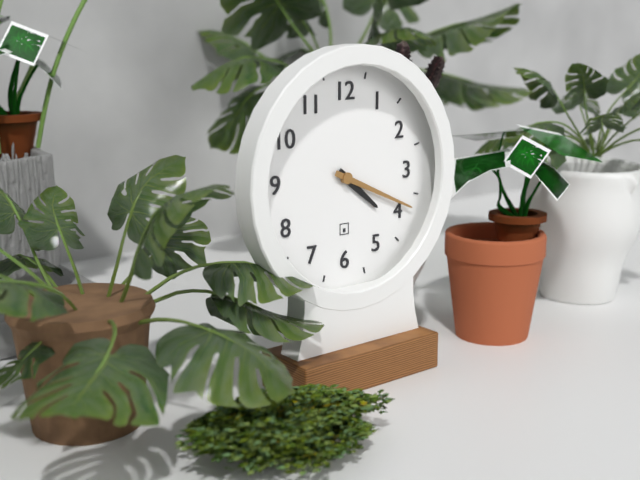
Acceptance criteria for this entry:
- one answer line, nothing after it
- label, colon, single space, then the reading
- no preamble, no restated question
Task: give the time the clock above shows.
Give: 4:19
